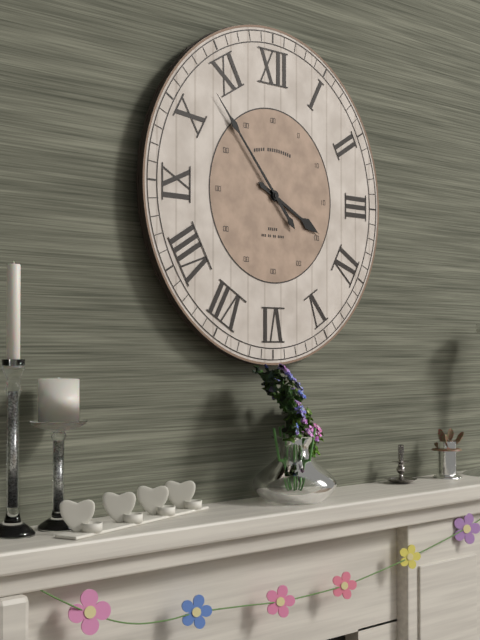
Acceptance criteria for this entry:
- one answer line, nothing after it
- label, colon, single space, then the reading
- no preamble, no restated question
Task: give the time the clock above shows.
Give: 3:53
